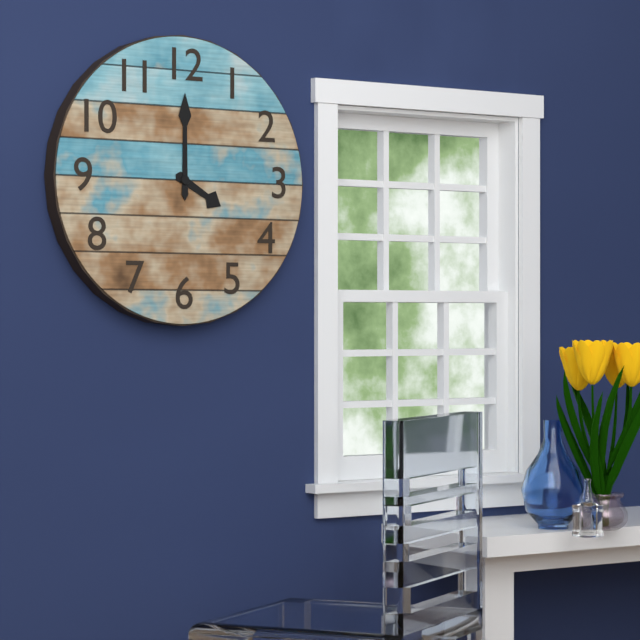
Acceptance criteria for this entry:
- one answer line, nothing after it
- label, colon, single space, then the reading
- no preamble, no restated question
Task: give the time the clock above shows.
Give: 4:00
